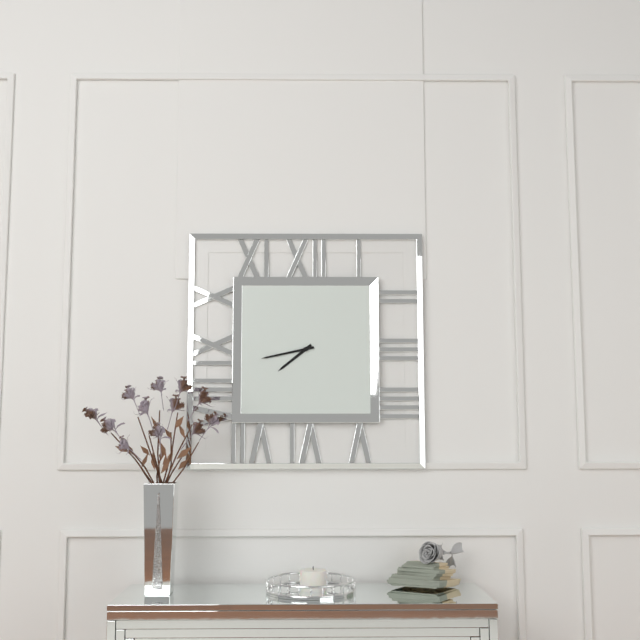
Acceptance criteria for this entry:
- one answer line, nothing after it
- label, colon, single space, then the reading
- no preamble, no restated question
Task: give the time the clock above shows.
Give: 7:43
